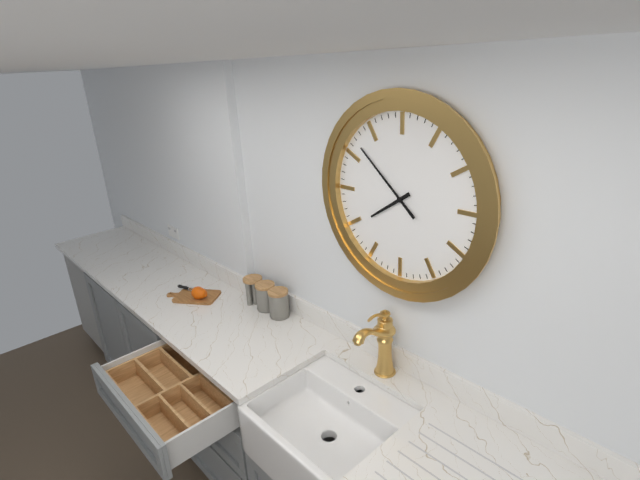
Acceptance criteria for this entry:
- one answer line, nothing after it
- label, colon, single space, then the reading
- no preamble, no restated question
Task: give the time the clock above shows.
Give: 7:52
